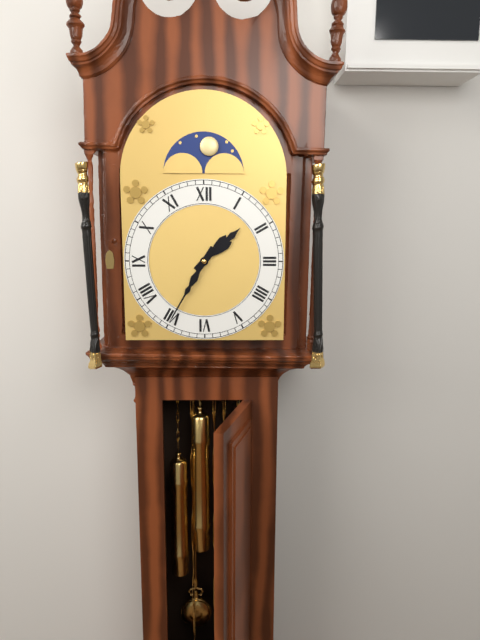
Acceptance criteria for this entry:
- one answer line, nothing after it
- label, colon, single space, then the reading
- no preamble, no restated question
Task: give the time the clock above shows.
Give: 1:35
